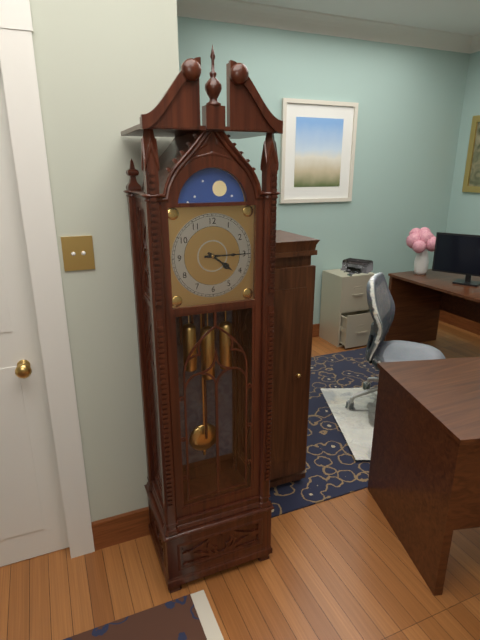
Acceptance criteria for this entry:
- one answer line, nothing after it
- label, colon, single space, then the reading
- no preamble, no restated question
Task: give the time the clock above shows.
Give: 4:15
